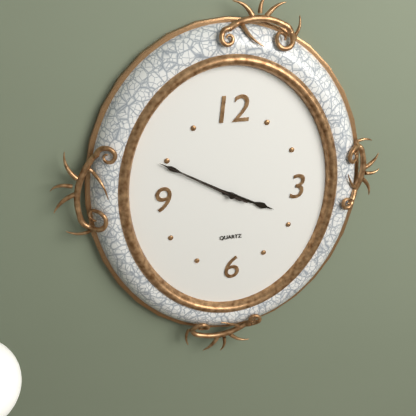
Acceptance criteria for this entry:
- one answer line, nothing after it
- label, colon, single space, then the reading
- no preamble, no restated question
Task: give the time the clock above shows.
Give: 3:50:50
